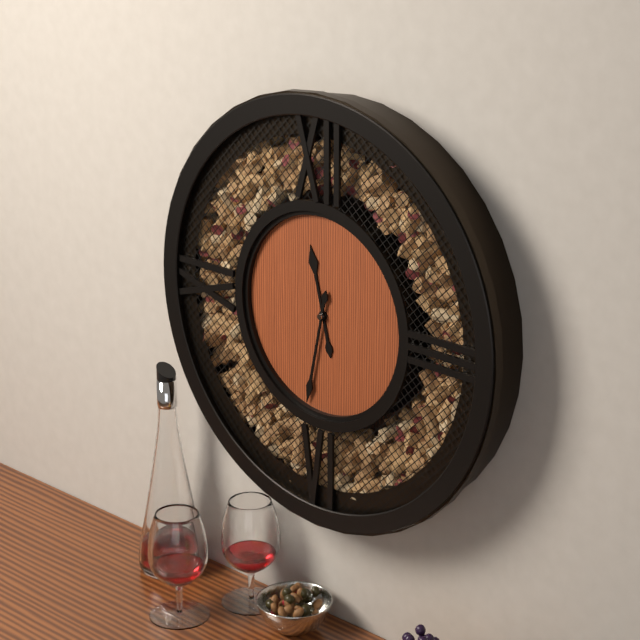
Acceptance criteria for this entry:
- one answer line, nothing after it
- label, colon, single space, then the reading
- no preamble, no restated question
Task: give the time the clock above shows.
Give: 11:32
